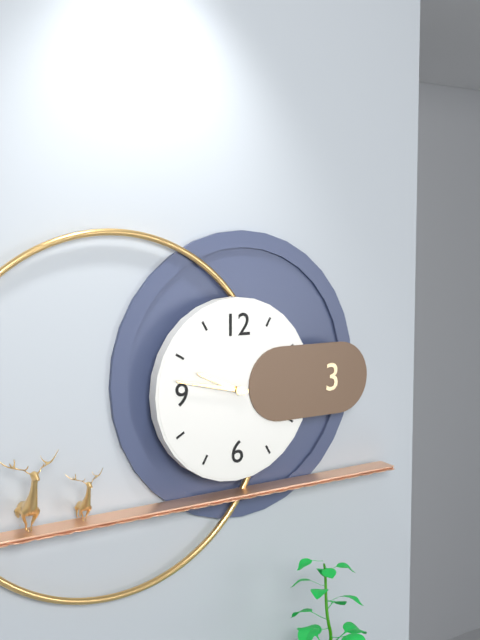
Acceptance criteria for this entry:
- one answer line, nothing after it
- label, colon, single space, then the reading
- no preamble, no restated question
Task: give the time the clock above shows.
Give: 9:47
